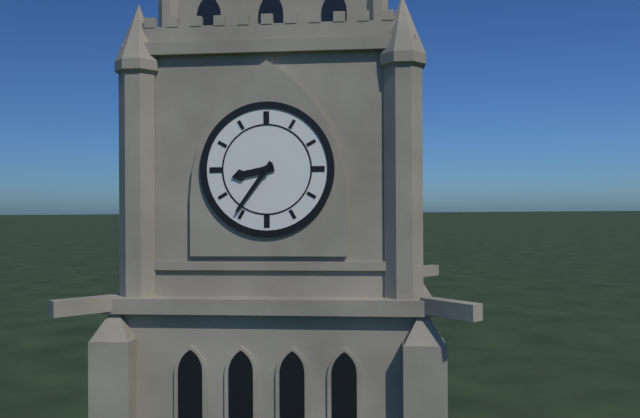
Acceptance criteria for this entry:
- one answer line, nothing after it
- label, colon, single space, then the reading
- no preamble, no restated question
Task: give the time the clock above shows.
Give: 8:36
